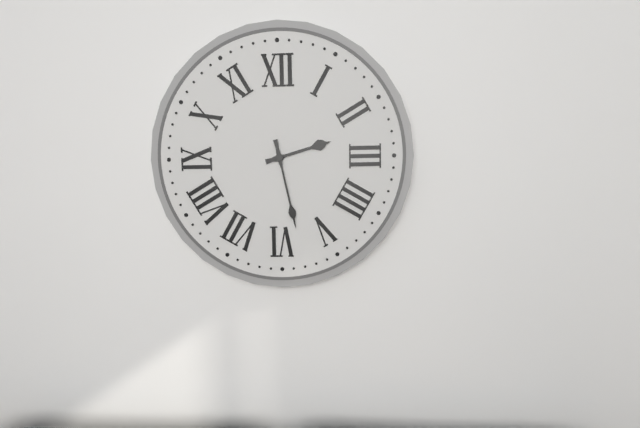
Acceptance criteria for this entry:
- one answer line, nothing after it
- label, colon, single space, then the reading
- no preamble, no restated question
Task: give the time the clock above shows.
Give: 2:28
